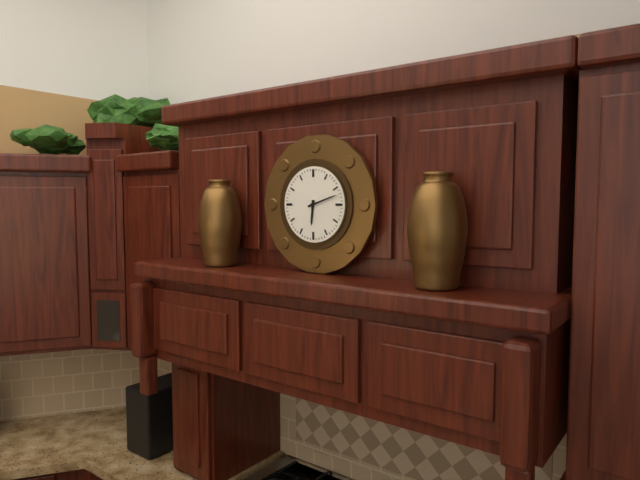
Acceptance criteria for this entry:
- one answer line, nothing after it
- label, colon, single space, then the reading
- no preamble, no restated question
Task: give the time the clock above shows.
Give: 6:12
